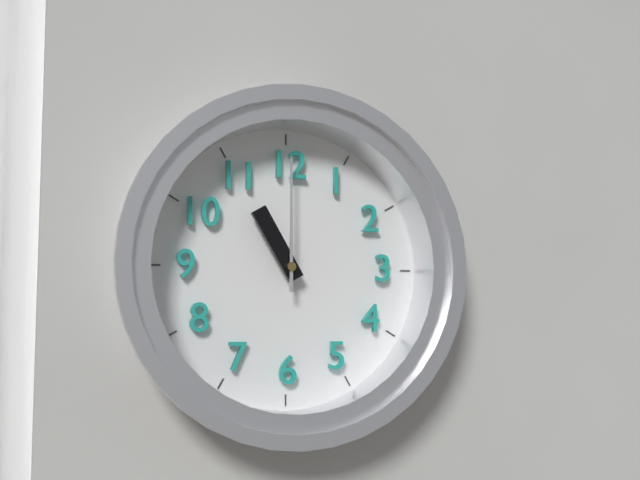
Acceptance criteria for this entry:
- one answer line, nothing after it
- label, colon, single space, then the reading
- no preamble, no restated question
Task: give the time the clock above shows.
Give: 11:00
